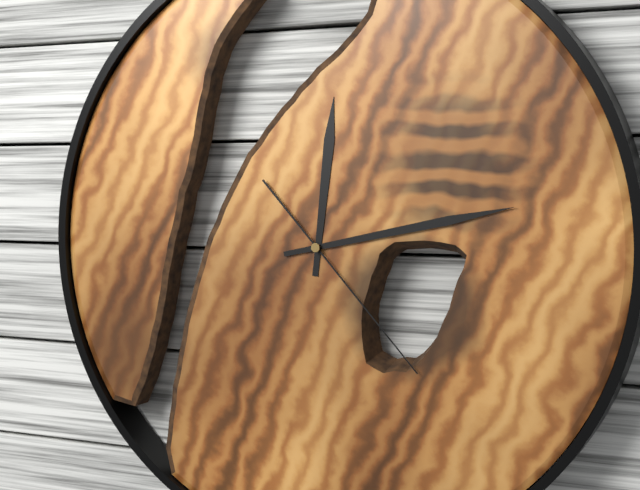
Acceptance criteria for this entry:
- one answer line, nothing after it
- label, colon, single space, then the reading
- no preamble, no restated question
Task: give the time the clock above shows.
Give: 12:13:23
